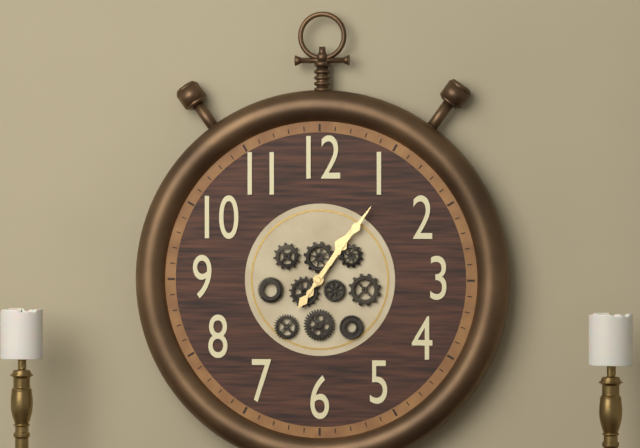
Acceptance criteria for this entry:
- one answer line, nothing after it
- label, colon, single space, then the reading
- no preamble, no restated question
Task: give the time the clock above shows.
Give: 1:06
